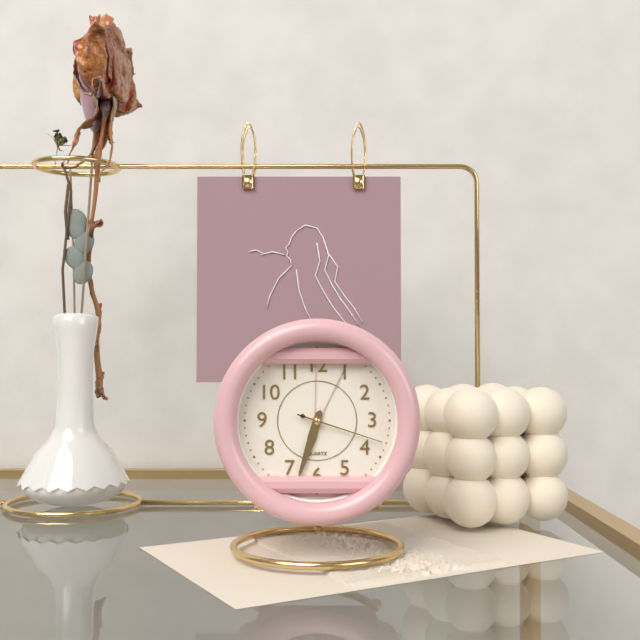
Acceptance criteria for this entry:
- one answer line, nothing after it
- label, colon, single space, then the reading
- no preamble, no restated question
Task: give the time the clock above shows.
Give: 6:33:18
